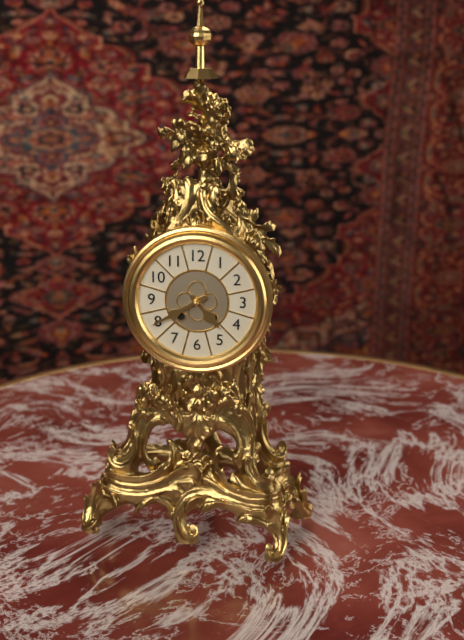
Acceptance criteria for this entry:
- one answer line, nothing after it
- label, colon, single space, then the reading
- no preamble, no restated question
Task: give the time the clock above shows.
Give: 4:40
